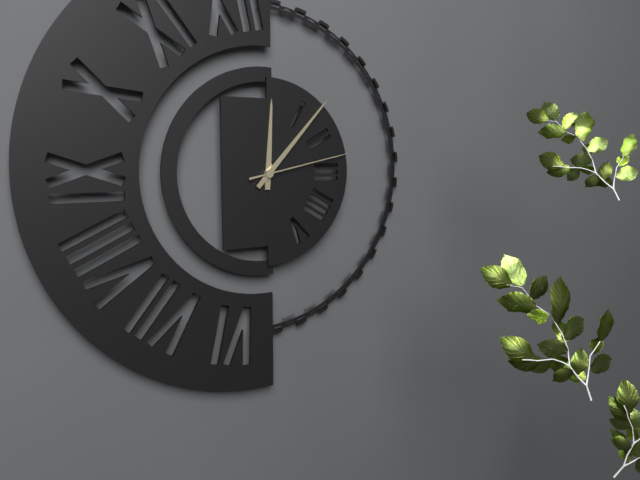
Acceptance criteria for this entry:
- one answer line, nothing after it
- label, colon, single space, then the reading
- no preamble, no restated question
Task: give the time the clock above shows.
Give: 12:07:13
